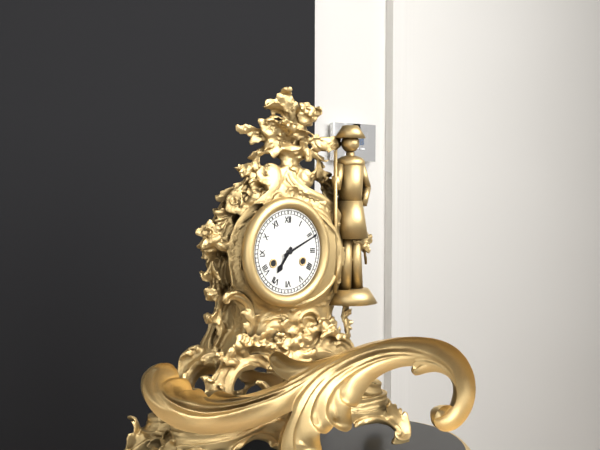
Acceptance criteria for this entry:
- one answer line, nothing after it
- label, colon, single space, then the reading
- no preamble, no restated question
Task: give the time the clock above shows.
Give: 7:11
